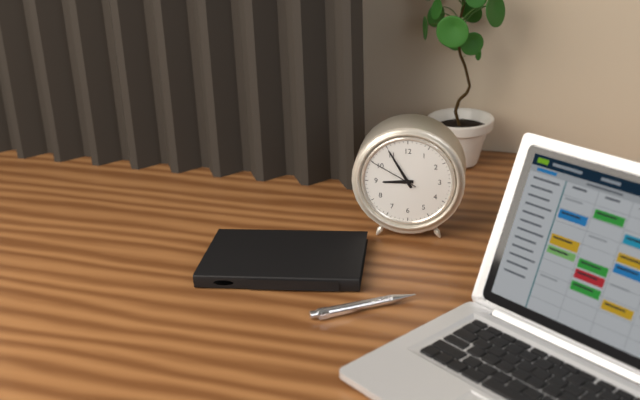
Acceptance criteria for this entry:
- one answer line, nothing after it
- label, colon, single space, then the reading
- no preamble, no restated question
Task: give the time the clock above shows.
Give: 8:55:50
